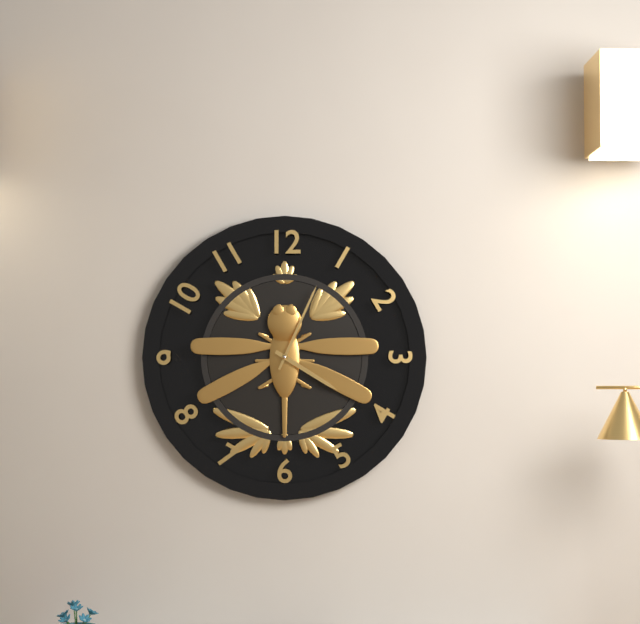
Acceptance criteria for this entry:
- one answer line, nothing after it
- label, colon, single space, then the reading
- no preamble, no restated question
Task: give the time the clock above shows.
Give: 4:04
